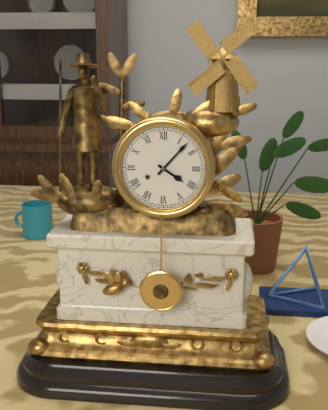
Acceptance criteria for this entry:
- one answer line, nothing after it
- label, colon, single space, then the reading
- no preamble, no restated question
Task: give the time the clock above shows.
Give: 4:07
